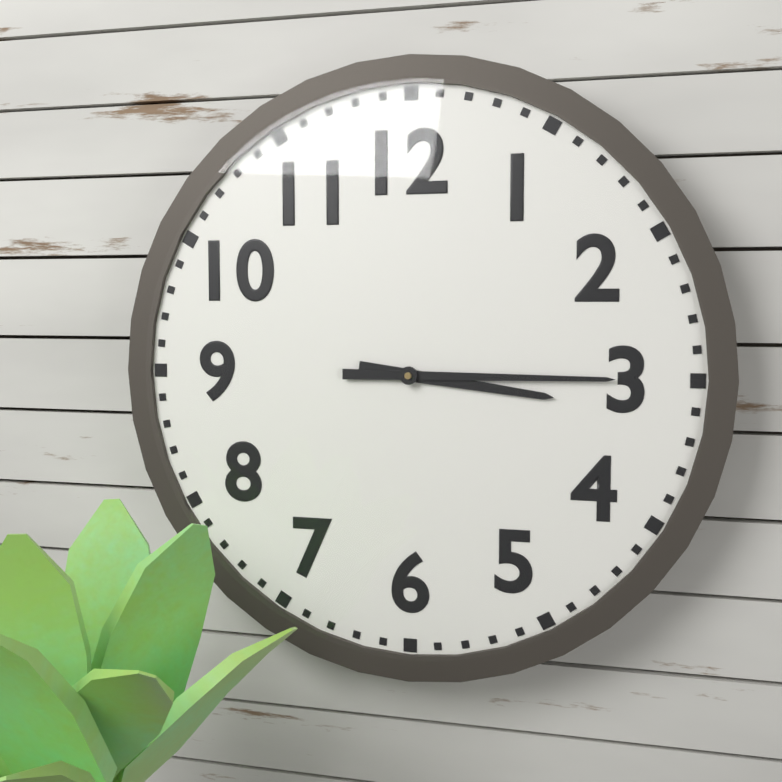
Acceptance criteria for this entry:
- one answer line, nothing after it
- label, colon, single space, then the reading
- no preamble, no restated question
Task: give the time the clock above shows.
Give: 3:15
